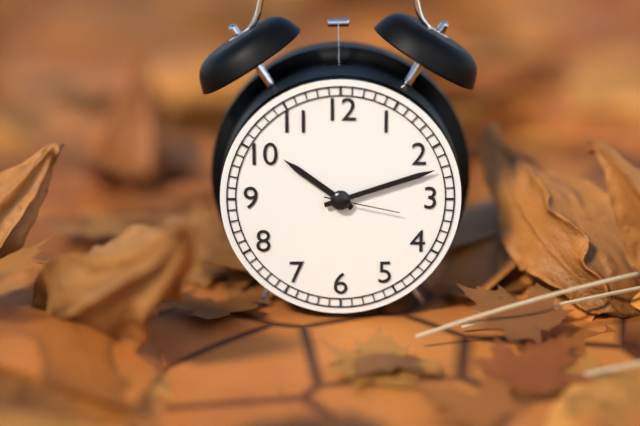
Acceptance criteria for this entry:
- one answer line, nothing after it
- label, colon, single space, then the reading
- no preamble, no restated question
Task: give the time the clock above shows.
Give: 10:12:17
